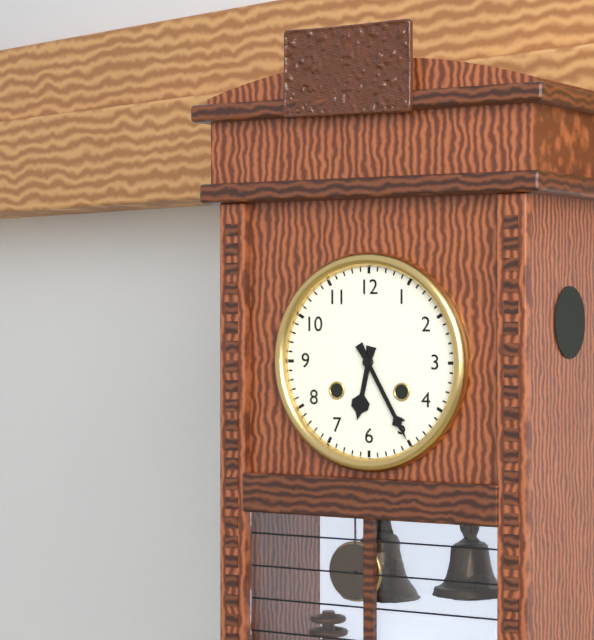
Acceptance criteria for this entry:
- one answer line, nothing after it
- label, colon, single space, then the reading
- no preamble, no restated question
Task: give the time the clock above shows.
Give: 6:25
